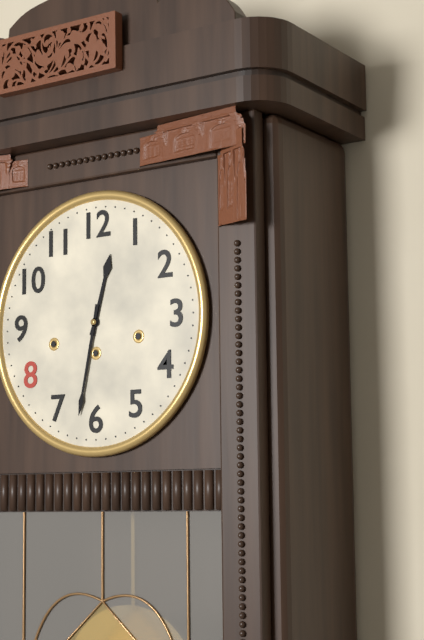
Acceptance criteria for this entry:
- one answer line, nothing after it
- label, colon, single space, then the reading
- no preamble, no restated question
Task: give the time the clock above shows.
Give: 12:32
